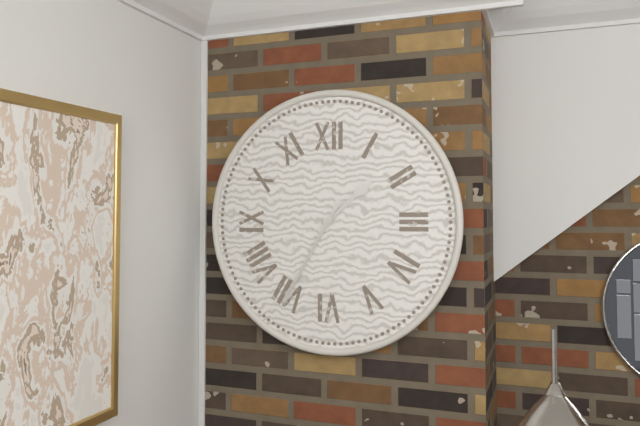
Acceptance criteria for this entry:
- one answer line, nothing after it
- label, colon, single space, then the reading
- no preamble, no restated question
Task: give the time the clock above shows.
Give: 1:35
